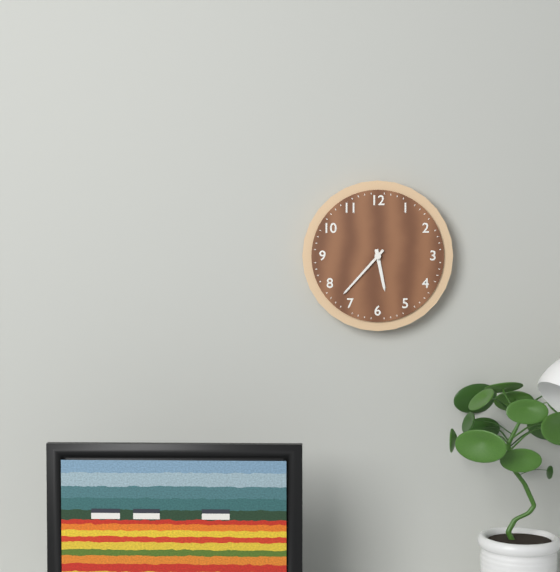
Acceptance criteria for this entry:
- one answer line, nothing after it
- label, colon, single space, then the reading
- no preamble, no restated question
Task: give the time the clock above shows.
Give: 5:37
